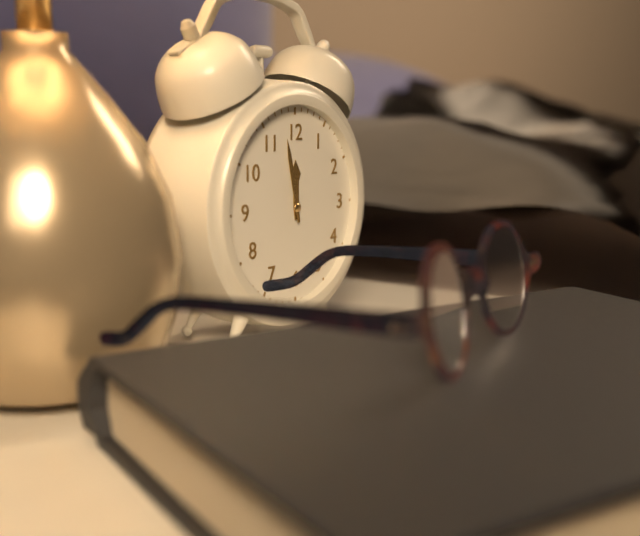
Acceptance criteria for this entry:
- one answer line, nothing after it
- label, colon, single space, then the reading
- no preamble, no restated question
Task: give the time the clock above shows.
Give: 11:58
